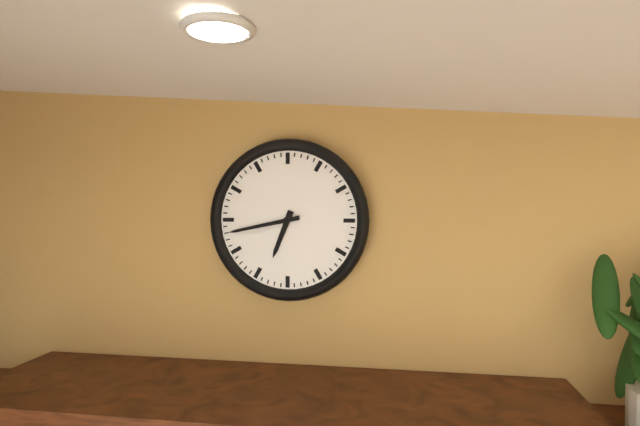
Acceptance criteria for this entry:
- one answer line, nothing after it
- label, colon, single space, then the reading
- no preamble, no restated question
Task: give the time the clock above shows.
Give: 6:43
